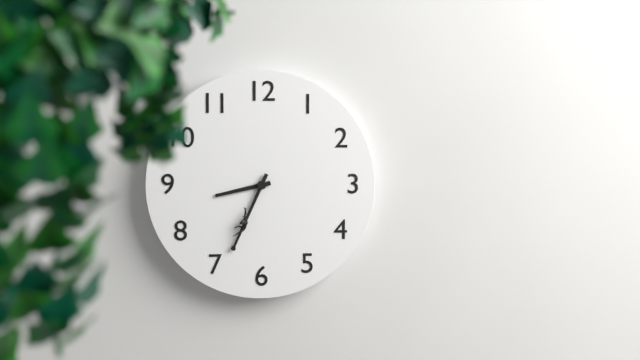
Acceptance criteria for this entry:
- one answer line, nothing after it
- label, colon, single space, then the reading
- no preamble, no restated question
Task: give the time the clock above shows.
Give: 8:34
